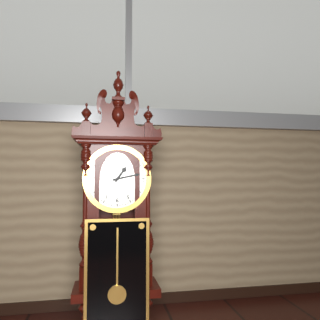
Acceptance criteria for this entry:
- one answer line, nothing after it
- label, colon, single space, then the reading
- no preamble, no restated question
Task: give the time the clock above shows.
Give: 1:13
